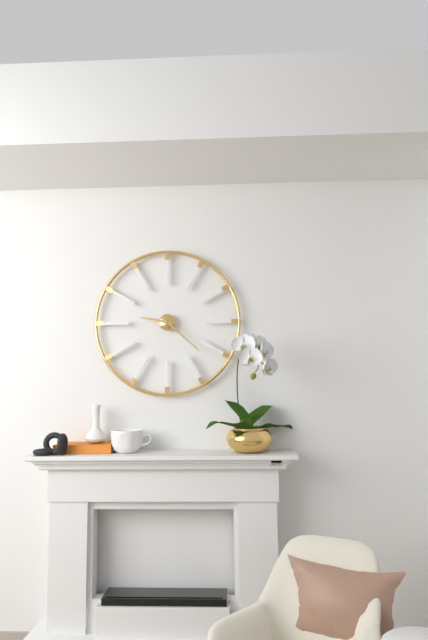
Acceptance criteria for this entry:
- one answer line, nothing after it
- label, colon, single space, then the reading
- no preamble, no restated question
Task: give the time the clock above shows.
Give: 9:22
